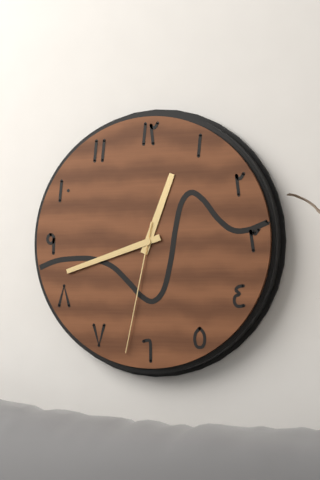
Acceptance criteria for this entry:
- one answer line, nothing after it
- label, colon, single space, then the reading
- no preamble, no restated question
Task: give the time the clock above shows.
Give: 12:42:32
